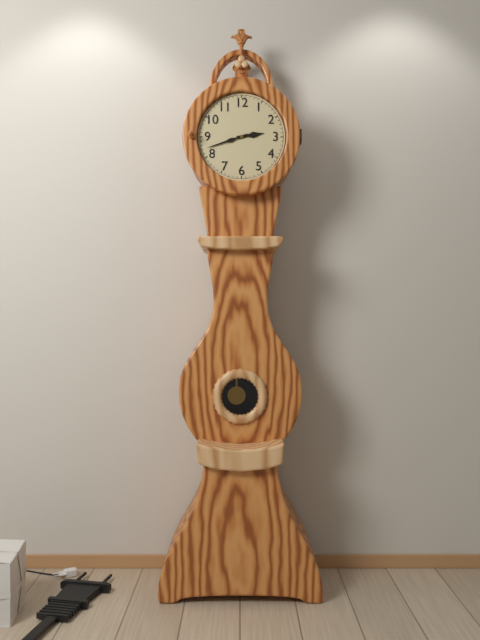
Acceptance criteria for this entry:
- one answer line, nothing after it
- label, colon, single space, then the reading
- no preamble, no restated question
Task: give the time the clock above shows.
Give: 2:42
